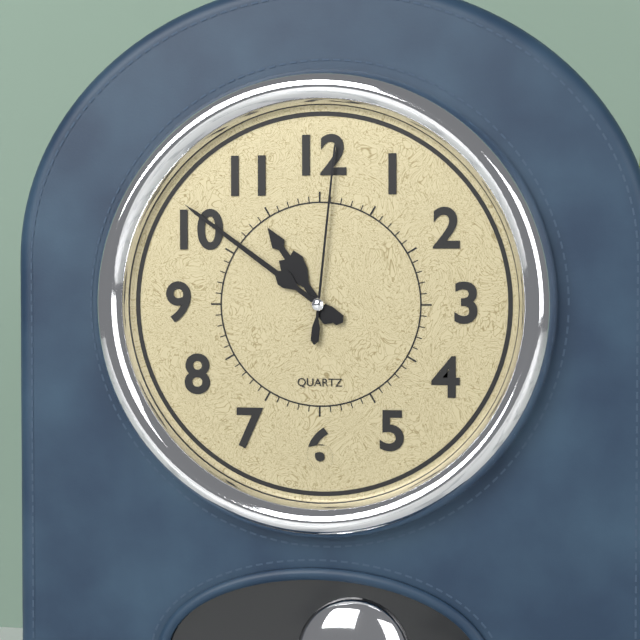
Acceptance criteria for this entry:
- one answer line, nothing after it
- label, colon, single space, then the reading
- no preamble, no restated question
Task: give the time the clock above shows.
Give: 10:51:01
